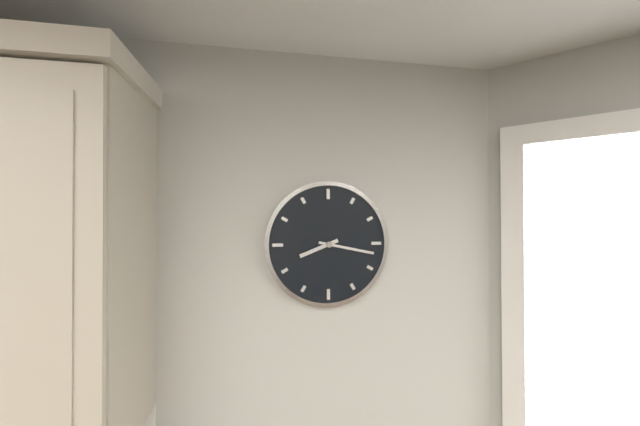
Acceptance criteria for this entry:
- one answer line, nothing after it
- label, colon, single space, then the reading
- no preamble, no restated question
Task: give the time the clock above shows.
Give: 8:17
